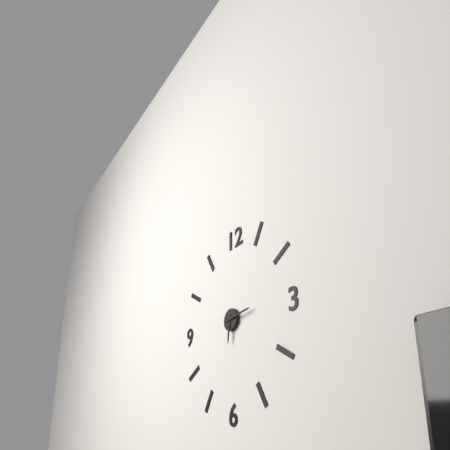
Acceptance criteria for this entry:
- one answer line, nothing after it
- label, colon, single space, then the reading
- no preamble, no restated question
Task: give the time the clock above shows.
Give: 6:14
